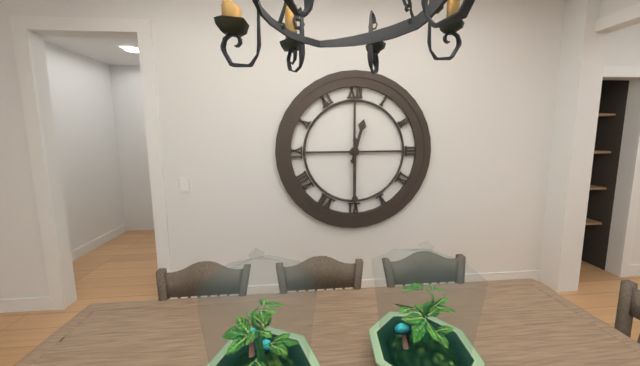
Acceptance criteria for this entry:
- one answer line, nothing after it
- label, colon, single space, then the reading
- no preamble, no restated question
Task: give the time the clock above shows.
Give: 12:30
